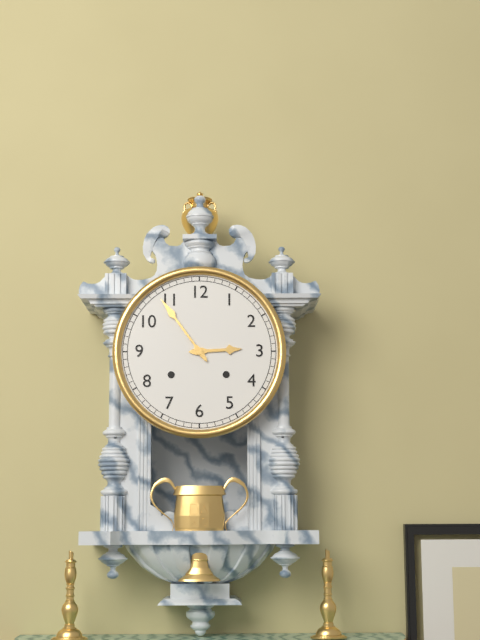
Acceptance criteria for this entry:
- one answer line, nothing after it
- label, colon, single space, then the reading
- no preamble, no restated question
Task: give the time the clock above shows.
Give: 2:54
